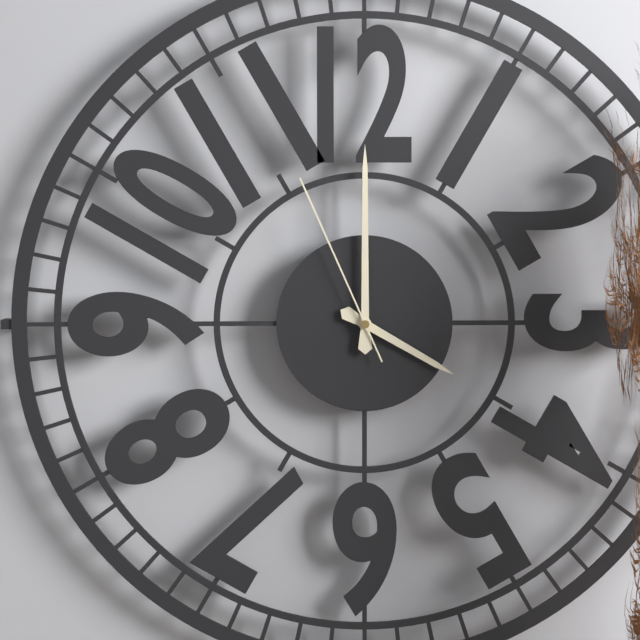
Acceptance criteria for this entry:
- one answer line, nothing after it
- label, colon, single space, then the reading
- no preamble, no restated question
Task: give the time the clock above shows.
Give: 4:00:56
